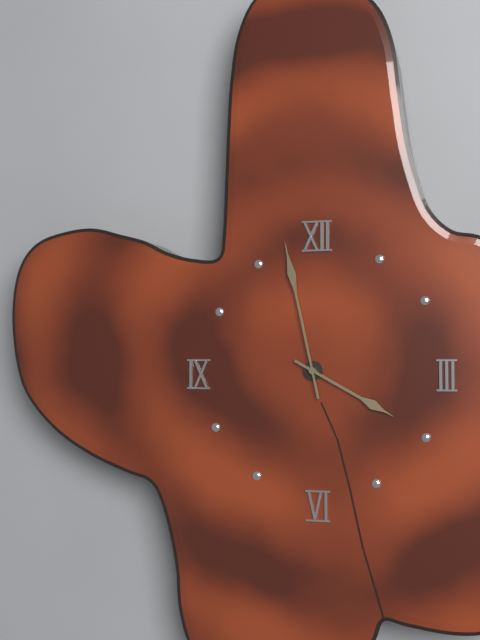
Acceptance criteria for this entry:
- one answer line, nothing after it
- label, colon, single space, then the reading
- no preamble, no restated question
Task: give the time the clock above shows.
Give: 3:58
